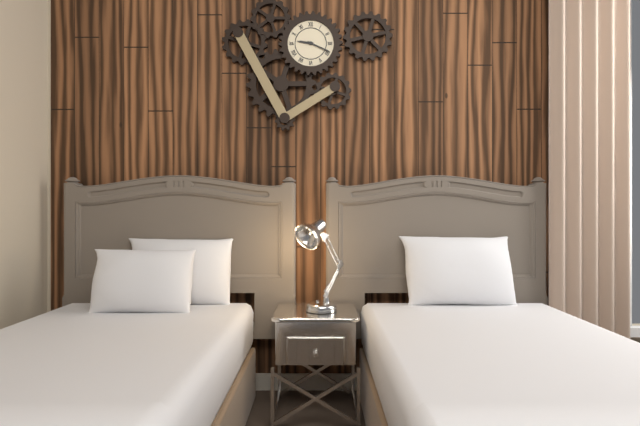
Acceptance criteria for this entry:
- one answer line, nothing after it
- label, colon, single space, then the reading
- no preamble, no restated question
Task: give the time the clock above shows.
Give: 9:19
